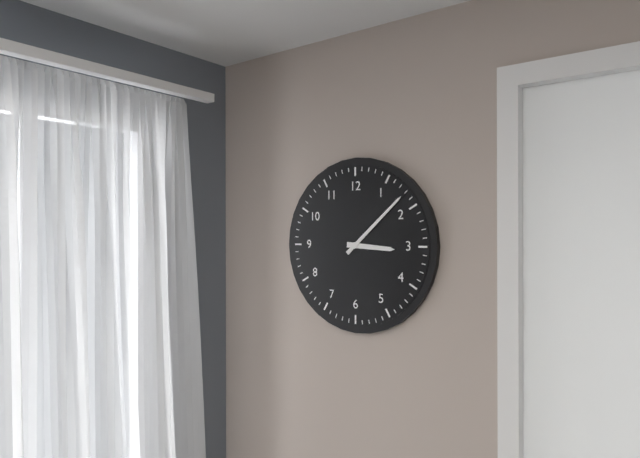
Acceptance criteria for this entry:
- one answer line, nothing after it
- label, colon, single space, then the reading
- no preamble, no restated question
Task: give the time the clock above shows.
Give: 3:08
